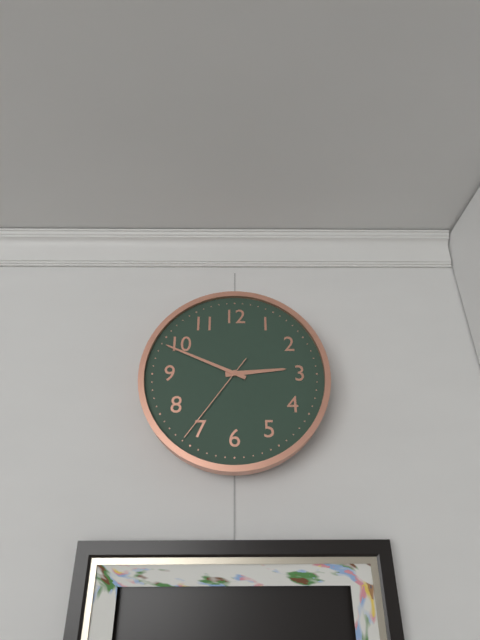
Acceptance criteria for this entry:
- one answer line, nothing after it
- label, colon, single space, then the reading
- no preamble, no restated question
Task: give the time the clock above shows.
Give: 2:49:36
